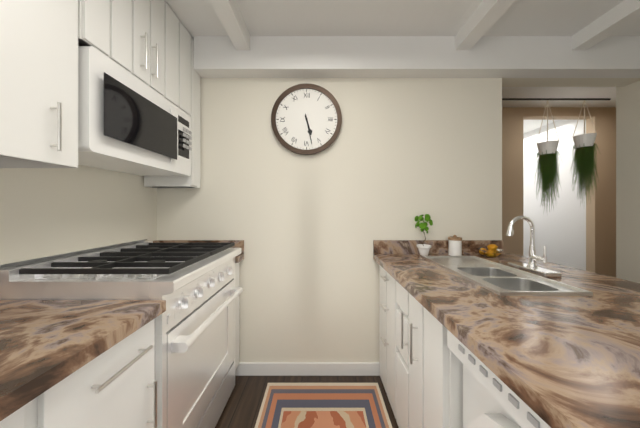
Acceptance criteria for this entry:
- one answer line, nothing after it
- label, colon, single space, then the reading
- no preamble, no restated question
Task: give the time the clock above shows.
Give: 5:28
